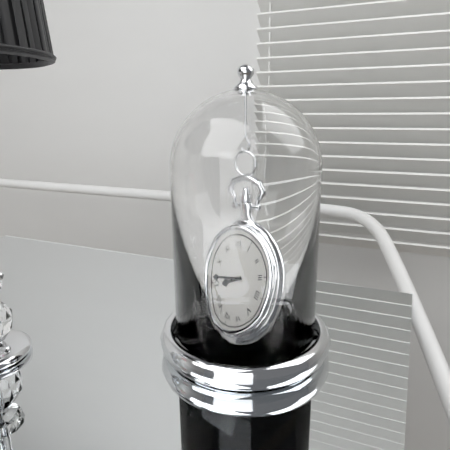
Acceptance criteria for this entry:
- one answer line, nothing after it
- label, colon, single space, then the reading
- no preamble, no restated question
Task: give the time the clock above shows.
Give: 8:46
